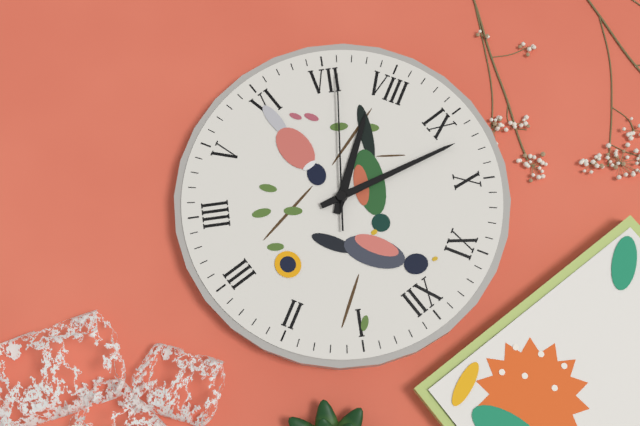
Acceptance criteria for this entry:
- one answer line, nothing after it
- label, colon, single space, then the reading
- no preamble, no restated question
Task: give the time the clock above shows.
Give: 7:47:36
